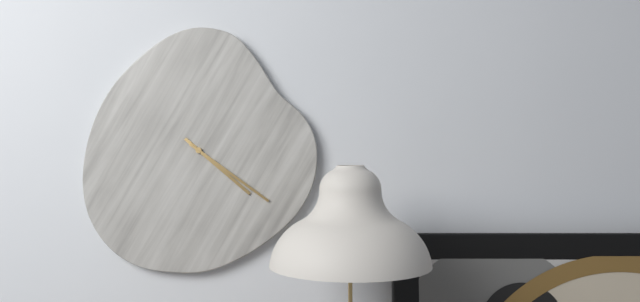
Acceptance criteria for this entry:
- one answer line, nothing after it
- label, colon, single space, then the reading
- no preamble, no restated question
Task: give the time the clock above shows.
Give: 4:21
